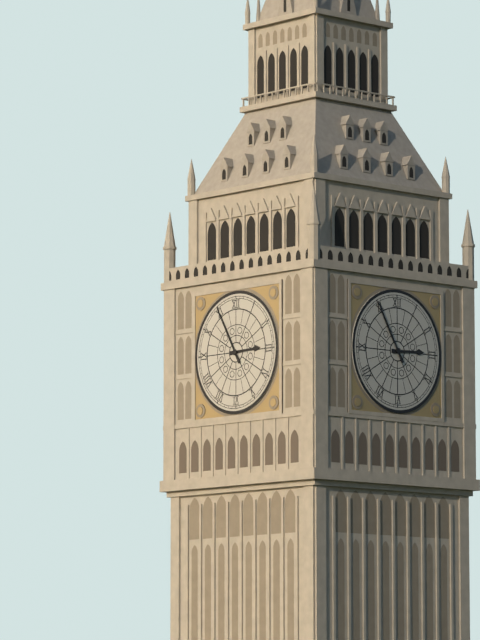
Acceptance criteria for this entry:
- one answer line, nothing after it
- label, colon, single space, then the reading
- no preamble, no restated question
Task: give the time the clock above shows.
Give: 2:55
